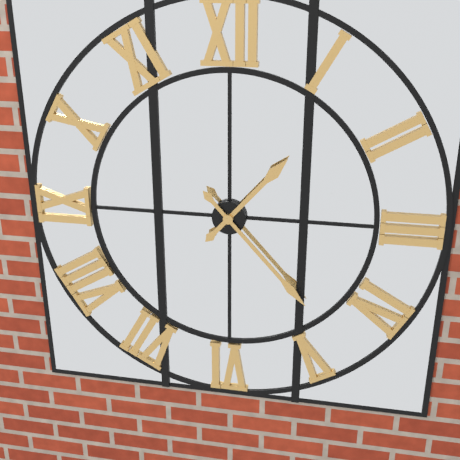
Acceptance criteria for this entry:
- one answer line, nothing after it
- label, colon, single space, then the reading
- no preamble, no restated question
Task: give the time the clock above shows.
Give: 1:23
